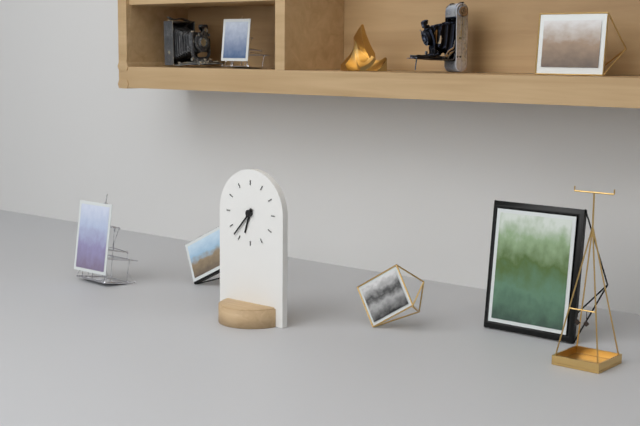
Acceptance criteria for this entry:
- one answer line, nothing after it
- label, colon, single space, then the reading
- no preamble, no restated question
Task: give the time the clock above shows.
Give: 6:37
